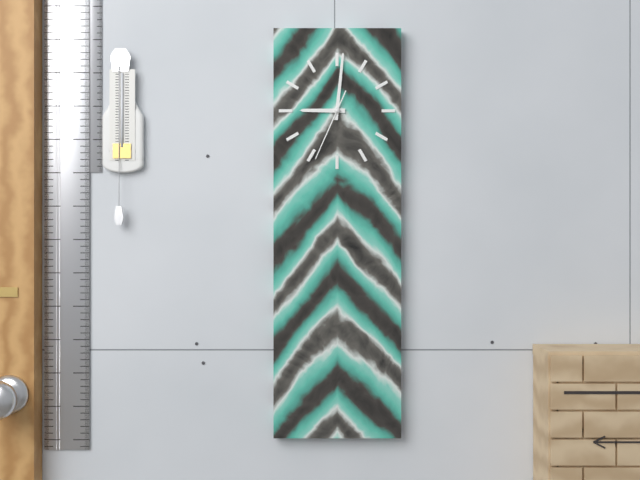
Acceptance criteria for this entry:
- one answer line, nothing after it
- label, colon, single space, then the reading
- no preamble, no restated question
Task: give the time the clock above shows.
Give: 9:01:34
